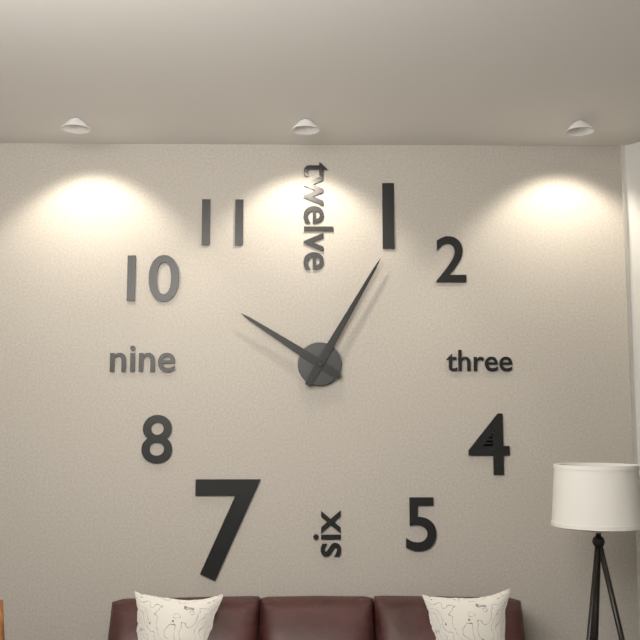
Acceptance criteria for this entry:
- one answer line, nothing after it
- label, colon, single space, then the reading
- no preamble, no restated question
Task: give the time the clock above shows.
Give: 10:05
